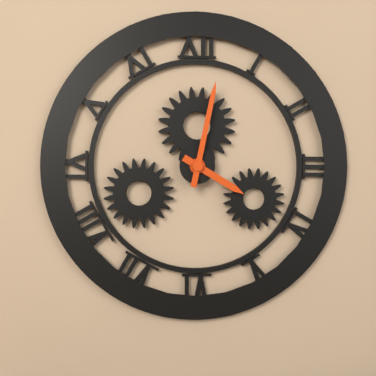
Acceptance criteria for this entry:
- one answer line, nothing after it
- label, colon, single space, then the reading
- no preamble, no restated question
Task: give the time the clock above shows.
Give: 4:02
